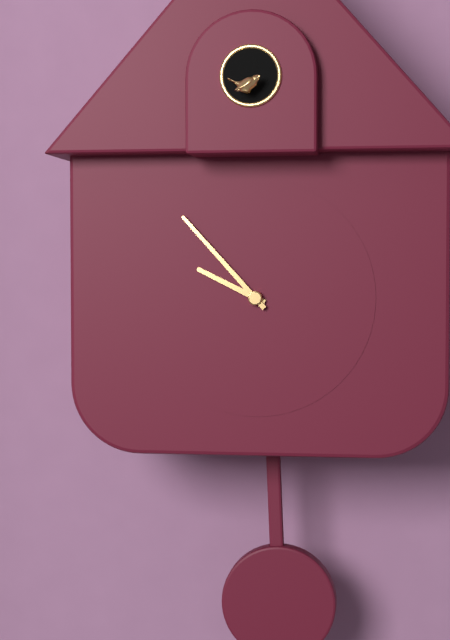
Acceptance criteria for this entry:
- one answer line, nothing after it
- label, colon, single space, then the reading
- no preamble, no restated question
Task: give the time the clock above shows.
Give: 9:53
